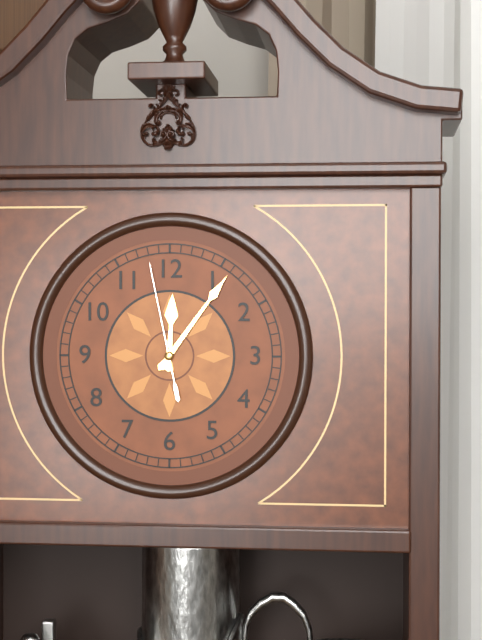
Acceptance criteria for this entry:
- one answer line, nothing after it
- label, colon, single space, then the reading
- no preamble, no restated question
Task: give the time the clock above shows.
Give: 12:06:58
